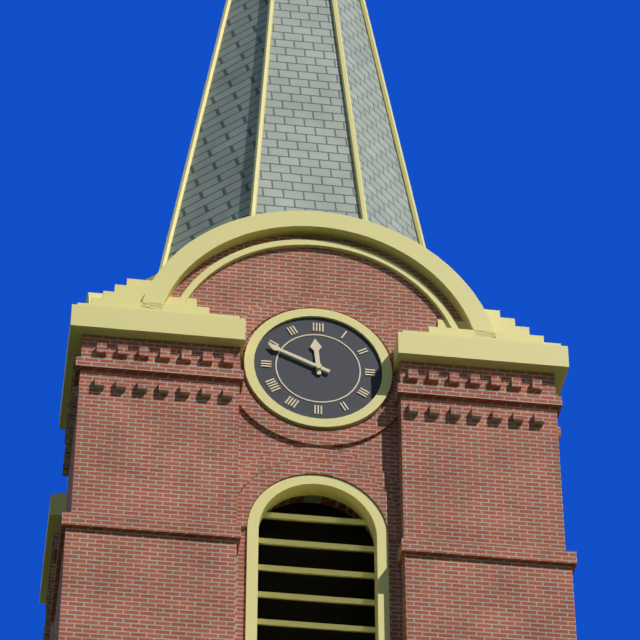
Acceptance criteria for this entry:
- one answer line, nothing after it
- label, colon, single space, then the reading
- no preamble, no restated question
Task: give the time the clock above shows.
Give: 11:49
